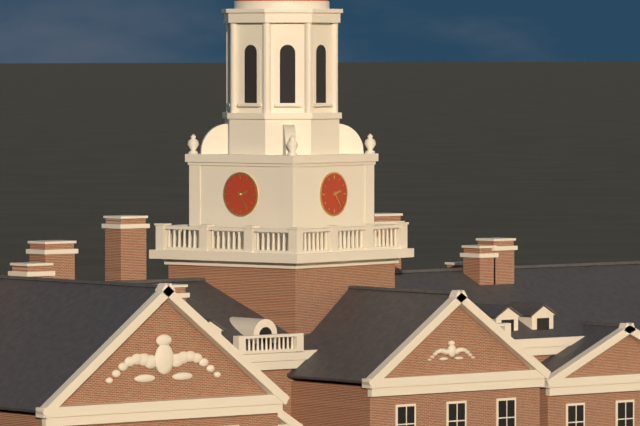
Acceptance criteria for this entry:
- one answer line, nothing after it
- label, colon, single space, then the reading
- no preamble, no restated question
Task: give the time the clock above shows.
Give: 2:24
